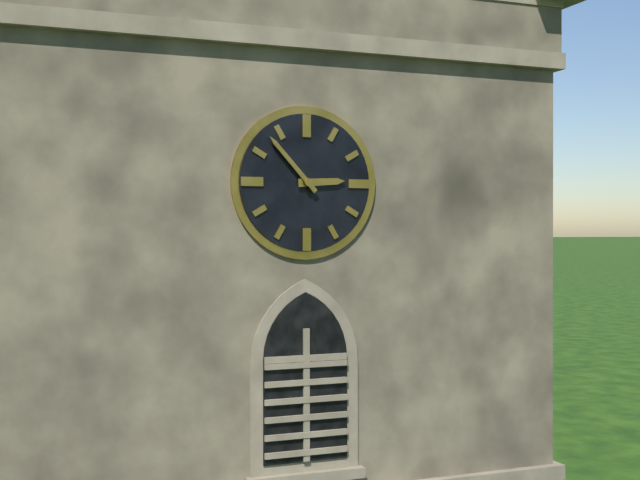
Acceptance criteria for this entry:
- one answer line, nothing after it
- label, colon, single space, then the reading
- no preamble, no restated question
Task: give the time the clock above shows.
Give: 2:53
